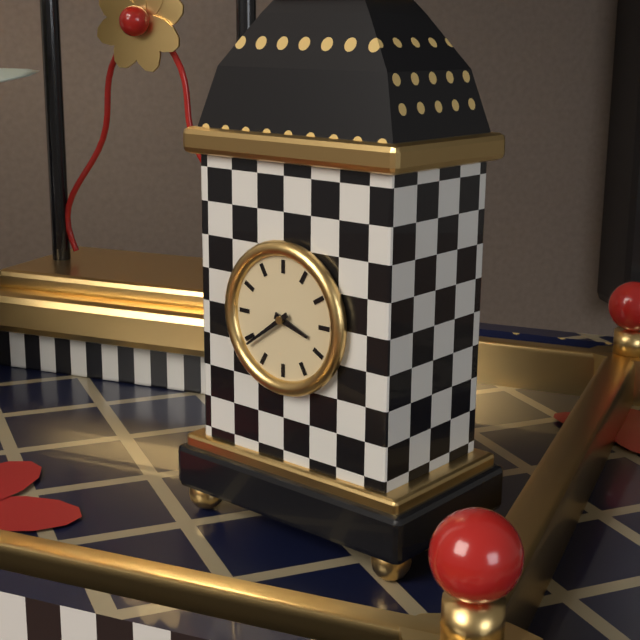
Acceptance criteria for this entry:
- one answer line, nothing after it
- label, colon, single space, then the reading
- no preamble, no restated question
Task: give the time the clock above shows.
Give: 3:39
